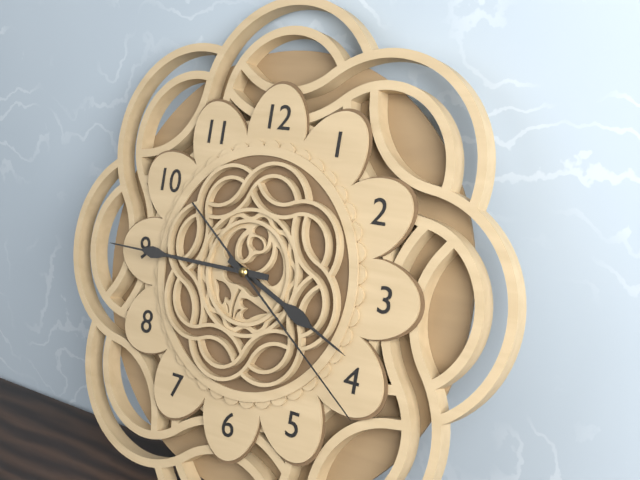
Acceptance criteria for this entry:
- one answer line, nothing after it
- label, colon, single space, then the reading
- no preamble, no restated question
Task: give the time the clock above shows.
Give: 3:45:21
